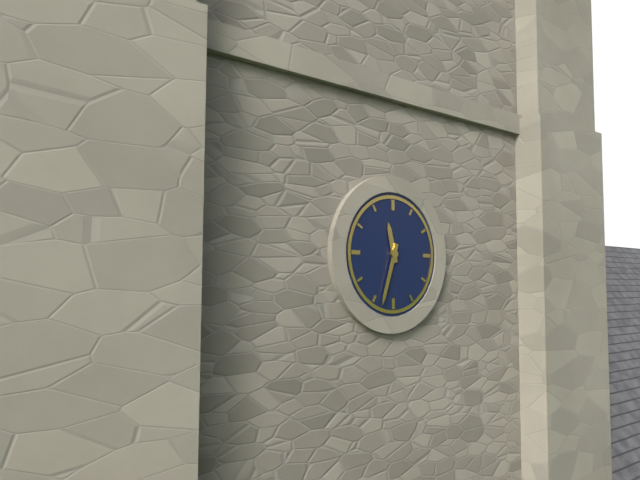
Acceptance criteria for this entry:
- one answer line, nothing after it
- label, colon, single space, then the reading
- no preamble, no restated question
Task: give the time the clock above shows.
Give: 11:33
